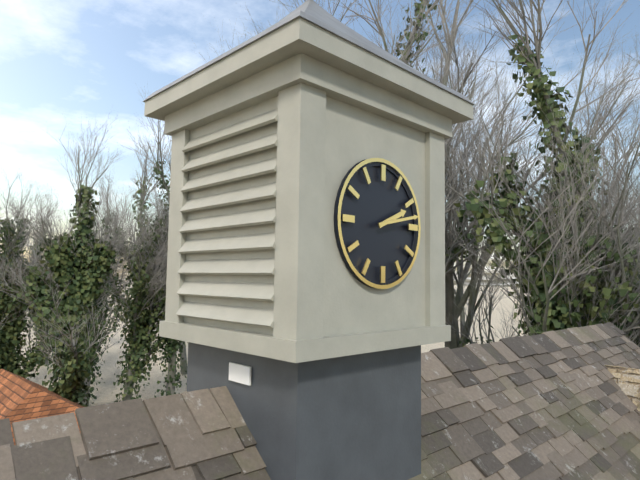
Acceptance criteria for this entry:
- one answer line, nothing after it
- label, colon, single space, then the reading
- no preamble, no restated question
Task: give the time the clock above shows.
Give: 2:13
